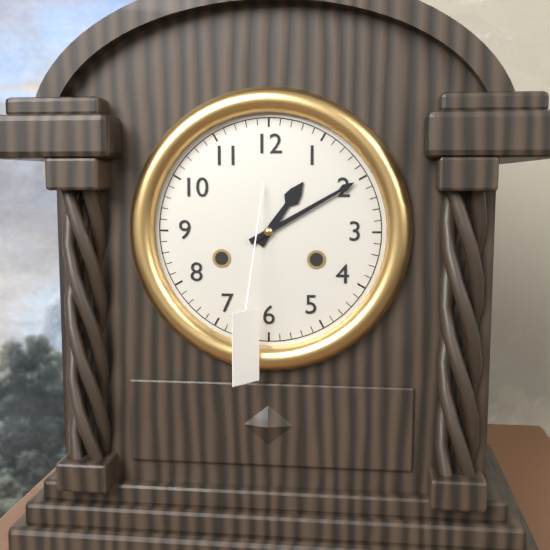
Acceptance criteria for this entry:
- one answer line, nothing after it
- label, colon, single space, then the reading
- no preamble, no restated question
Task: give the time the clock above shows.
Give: 1:10
